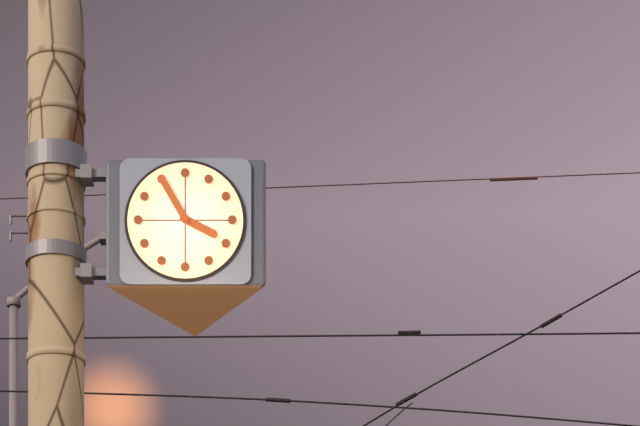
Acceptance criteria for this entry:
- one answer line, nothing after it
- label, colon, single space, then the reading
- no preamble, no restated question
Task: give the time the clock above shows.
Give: 3:55
